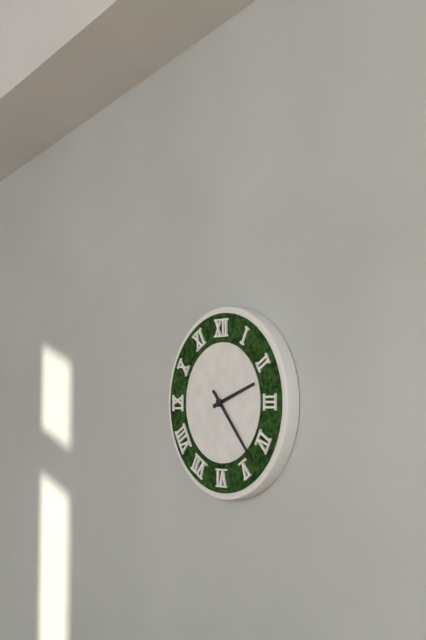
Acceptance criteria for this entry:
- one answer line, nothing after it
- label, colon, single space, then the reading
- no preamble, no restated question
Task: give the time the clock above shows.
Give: 2:23
